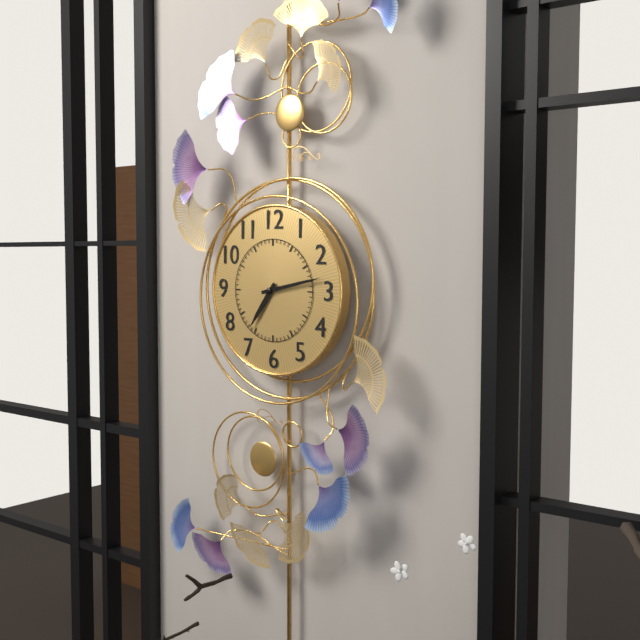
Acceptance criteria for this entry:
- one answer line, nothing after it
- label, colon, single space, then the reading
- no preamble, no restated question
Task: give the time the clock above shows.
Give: 7:13
